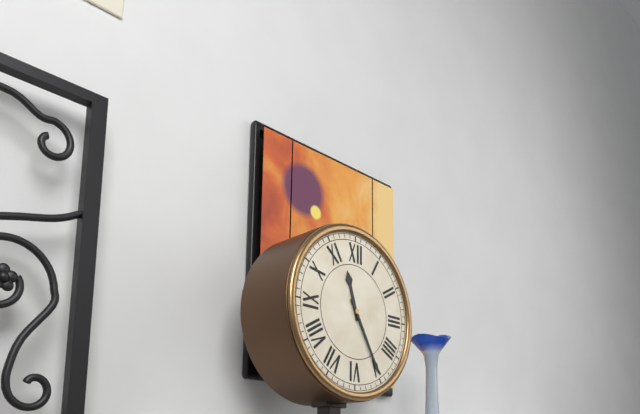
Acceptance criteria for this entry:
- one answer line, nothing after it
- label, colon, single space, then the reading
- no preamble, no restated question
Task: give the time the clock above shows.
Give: 11:25
